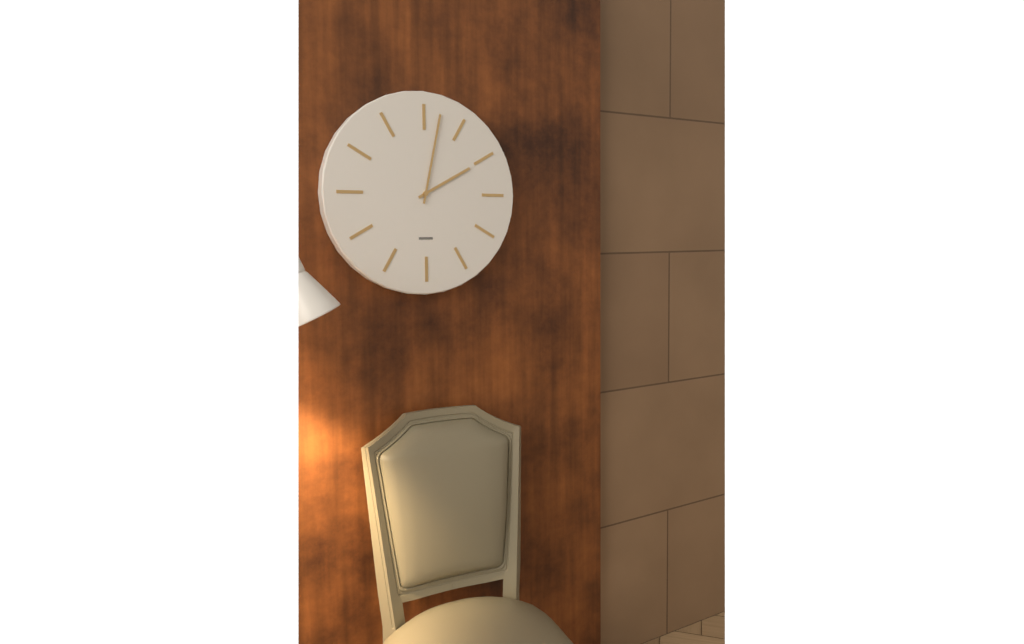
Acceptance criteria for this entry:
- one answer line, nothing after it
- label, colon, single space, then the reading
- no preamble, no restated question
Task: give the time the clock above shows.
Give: 2:02
